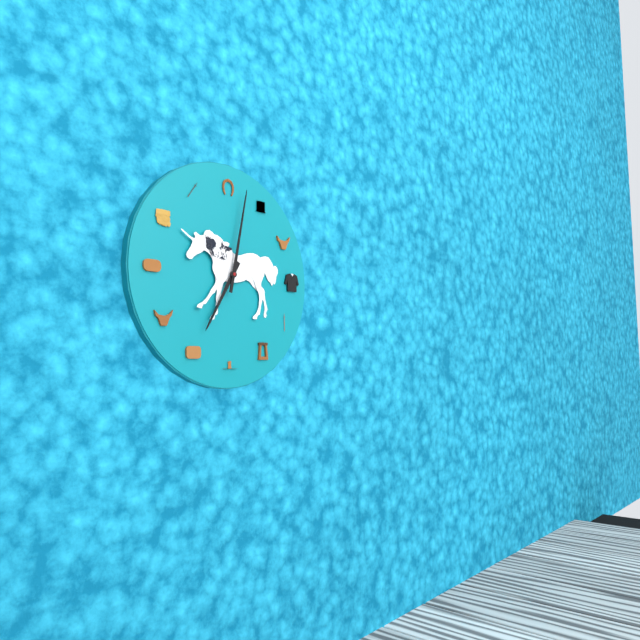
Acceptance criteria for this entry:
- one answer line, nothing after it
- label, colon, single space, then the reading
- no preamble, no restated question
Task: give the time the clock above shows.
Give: 7:02
